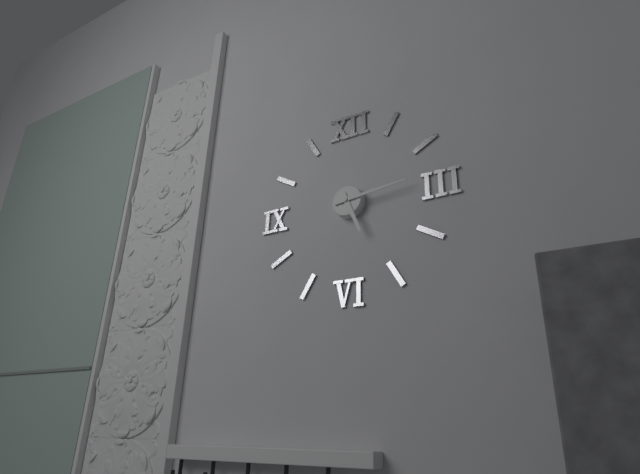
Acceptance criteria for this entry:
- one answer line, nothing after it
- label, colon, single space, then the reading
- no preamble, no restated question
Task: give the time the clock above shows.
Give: 5:14
